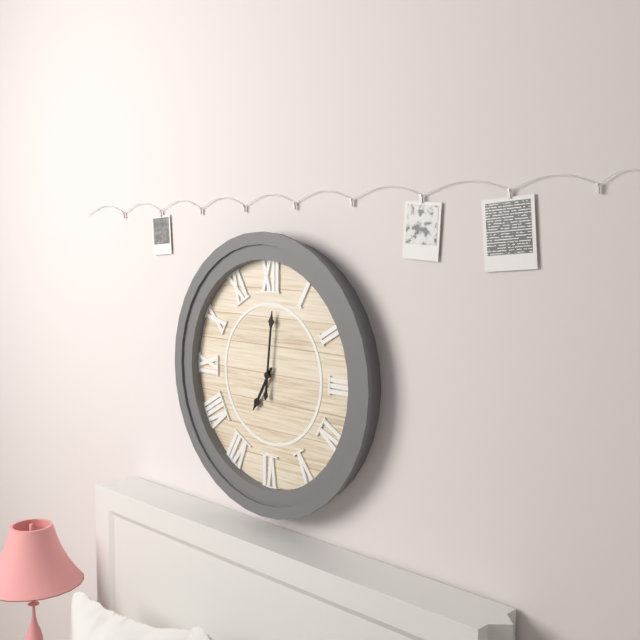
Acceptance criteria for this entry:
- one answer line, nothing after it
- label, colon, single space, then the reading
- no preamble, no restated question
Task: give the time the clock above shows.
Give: 7:01
